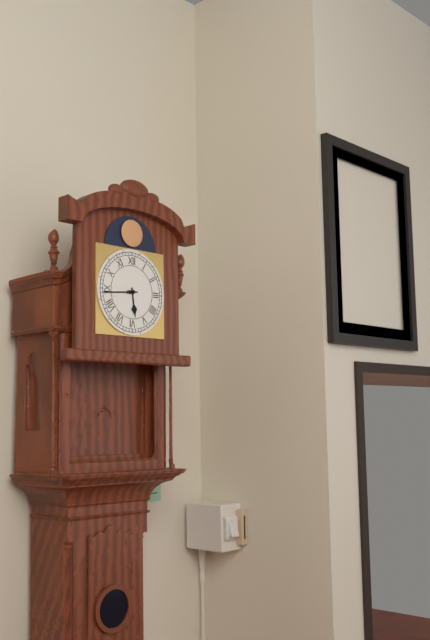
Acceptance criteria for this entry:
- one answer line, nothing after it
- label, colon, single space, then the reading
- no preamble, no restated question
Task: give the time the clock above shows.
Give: 5:44
